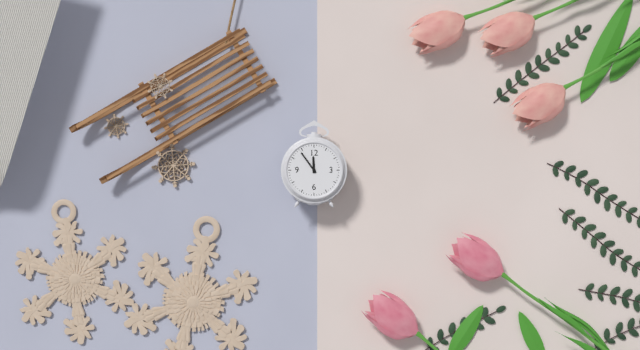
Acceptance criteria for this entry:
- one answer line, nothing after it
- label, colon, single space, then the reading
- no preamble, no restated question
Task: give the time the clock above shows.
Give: 11:54
